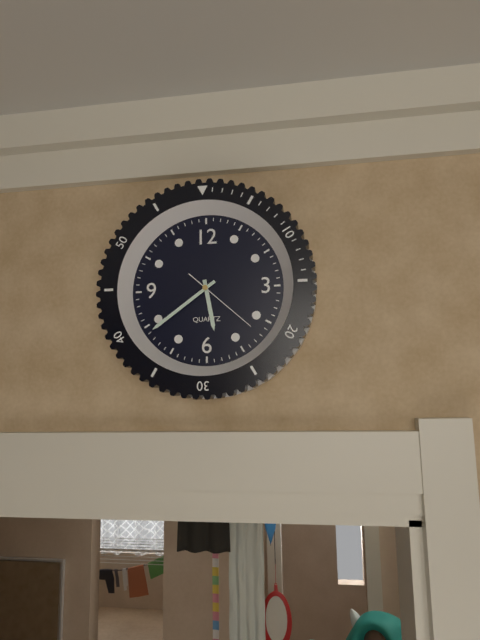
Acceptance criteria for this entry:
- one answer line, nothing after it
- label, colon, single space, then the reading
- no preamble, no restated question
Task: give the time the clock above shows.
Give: 5:39:22
